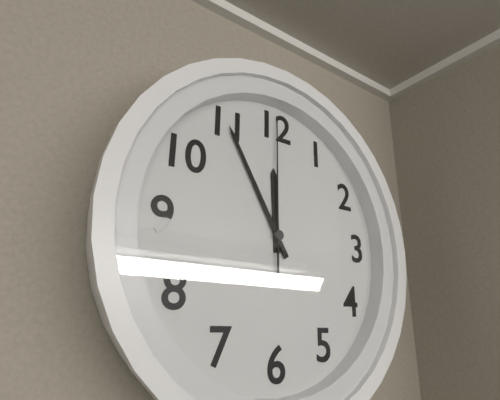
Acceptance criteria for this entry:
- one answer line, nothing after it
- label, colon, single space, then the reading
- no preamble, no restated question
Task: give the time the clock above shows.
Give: 11:55:00
